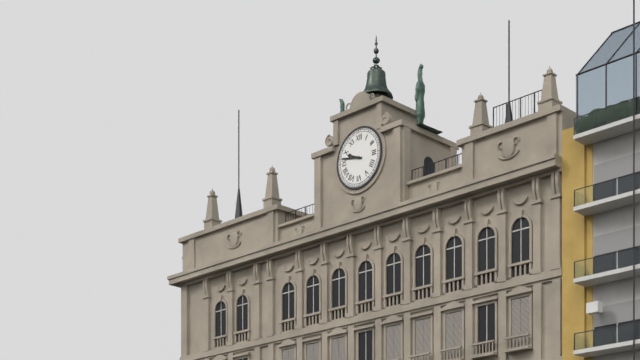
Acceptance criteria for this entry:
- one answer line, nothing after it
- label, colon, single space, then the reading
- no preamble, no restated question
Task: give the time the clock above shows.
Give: 9:47
